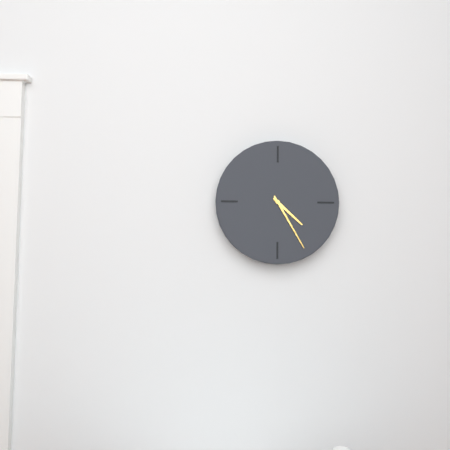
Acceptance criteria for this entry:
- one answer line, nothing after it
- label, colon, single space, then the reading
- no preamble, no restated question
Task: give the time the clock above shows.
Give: 4:25
